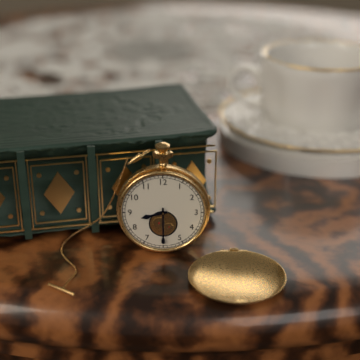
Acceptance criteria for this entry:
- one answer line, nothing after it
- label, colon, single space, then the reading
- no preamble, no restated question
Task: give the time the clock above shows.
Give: 8:30
